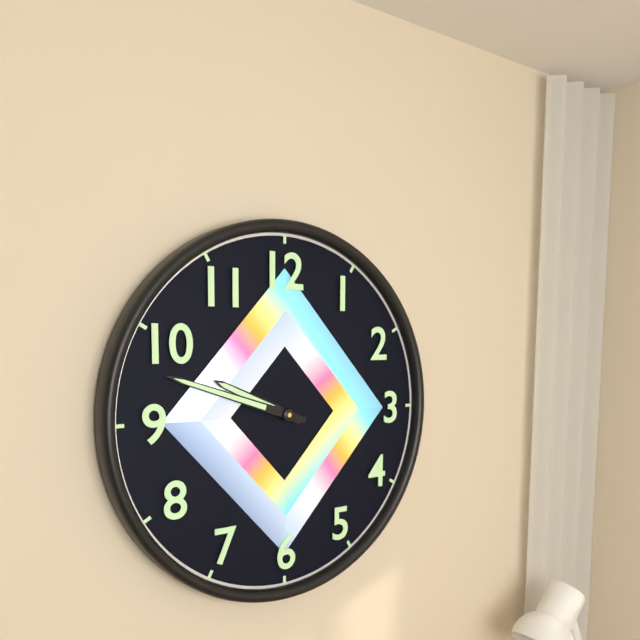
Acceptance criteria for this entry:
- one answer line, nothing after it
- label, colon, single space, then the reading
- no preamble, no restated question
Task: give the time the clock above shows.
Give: 9:48
